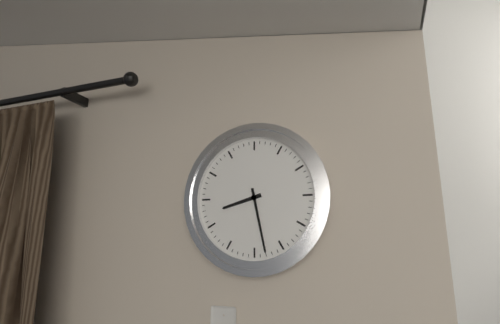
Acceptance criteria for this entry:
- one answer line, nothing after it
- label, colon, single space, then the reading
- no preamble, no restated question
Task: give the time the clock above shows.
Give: 8:28
